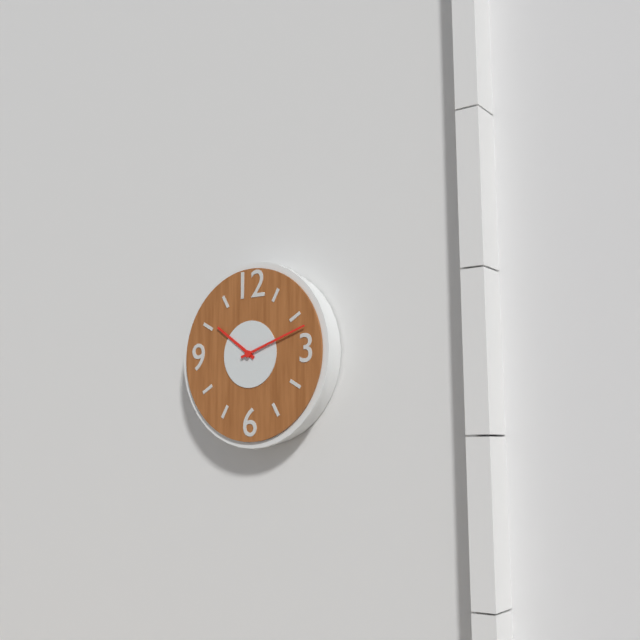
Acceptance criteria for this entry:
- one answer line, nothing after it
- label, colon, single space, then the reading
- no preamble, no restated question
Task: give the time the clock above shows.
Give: 10:12
